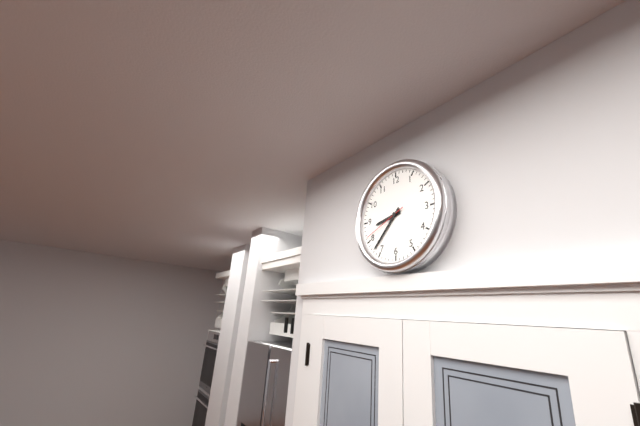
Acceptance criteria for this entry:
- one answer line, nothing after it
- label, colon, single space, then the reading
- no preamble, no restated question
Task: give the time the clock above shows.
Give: 8:37
